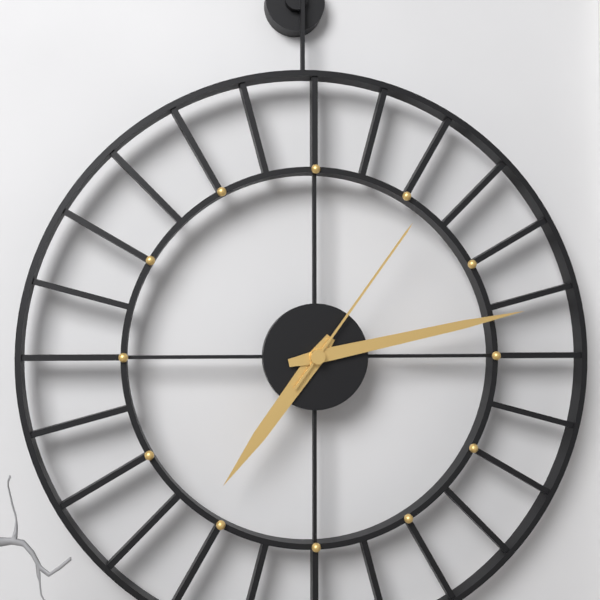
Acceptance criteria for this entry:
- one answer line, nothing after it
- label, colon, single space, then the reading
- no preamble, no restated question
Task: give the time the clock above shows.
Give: 7:13:06
